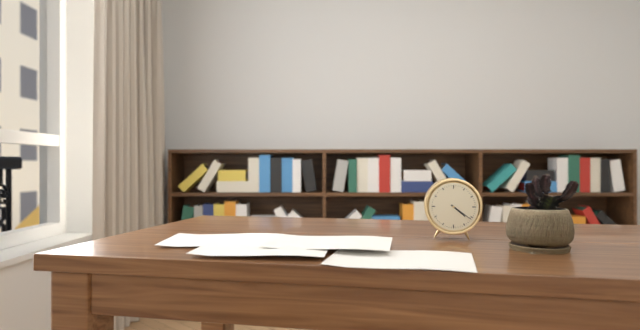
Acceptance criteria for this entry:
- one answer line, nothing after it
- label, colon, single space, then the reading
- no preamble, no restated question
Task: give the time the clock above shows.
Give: 4:21
